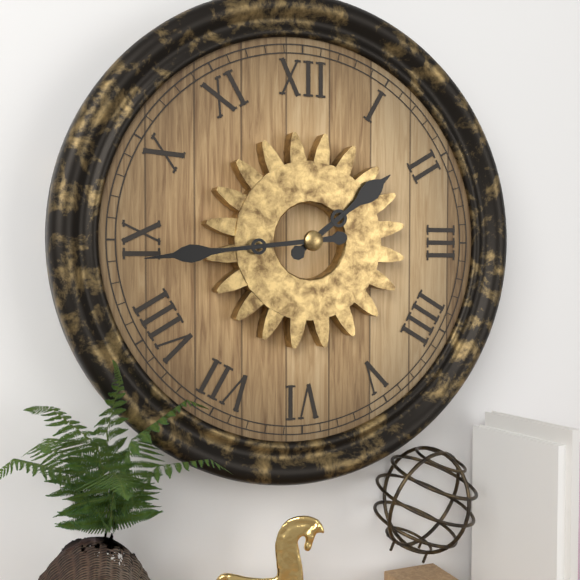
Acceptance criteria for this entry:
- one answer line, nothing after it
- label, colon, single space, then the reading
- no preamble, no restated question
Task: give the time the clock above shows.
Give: 1:44
